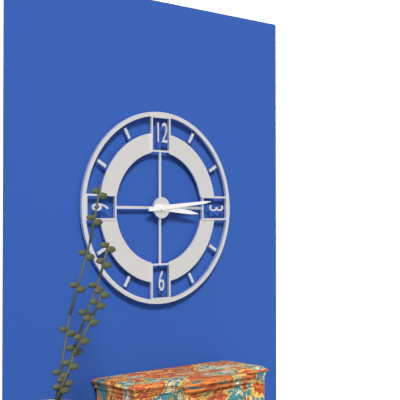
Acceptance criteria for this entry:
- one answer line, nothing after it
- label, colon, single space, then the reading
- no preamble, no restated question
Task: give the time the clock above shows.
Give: 3:14
